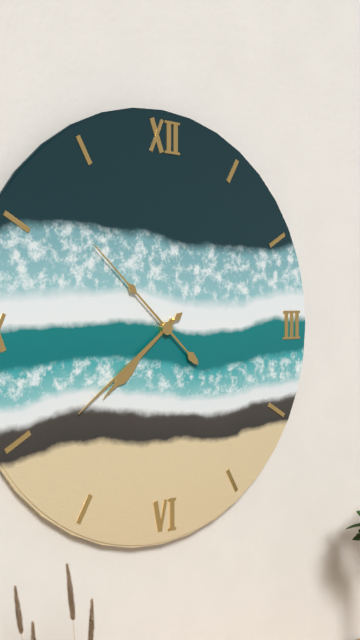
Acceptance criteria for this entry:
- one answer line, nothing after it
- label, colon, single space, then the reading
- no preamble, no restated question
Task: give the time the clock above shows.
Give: 7:39:52
